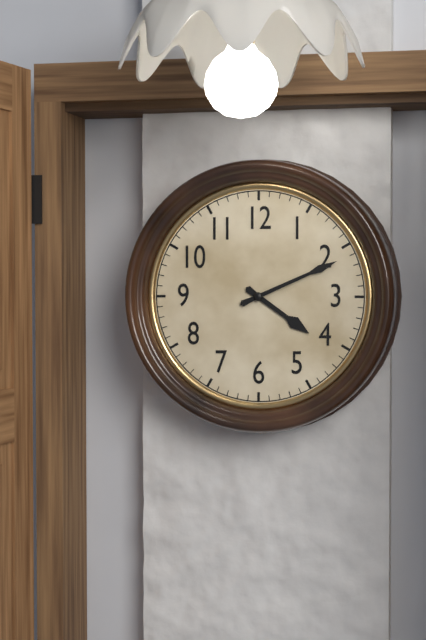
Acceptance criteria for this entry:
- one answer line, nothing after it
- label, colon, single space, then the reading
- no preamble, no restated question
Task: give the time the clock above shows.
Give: 4:11
